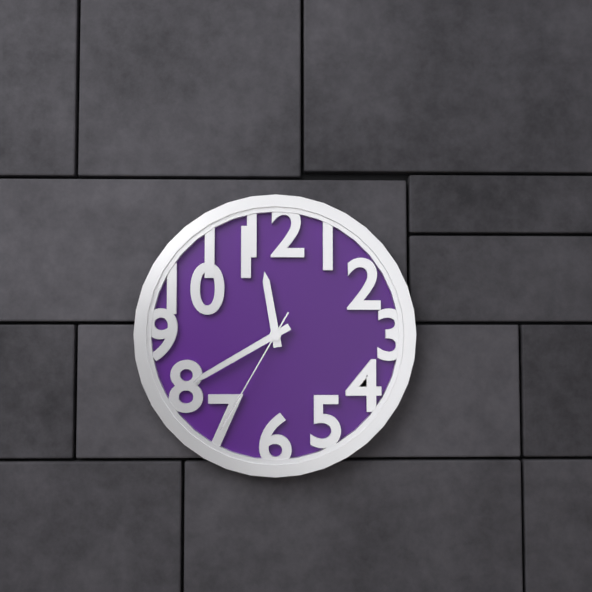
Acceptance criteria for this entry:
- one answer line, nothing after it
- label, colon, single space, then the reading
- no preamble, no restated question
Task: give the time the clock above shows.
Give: 11:40:35
